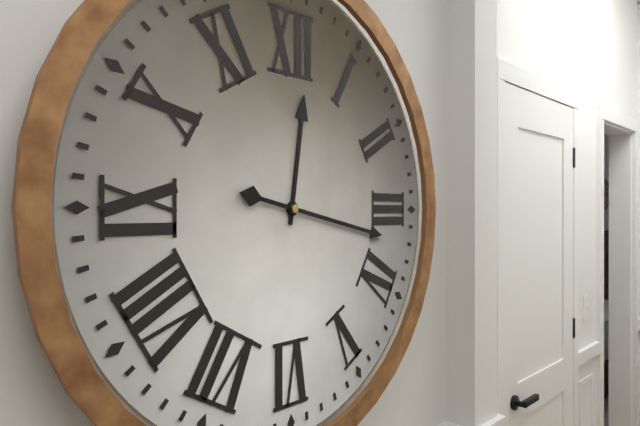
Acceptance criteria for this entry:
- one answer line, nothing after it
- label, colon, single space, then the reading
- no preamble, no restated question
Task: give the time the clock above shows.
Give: 12:17
